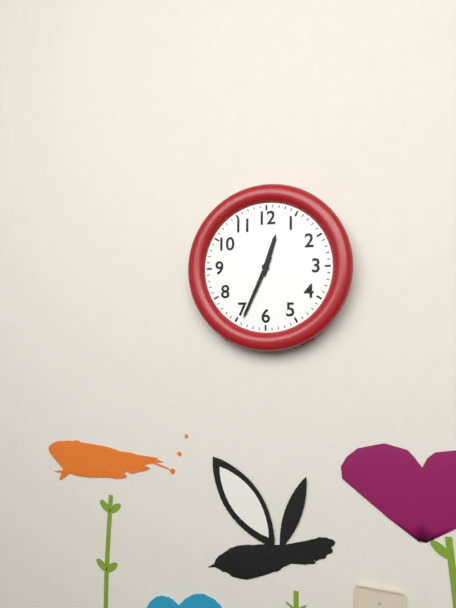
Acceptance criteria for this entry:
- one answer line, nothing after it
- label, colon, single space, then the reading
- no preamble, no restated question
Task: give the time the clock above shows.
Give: 12:34
